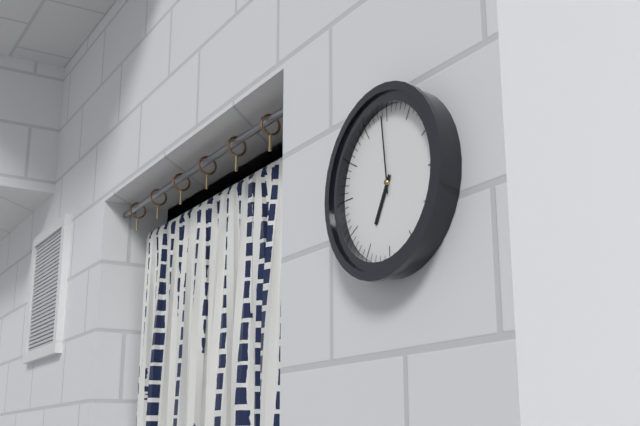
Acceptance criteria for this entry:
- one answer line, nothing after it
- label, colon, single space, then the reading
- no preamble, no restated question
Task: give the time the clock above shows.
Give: 6:59
